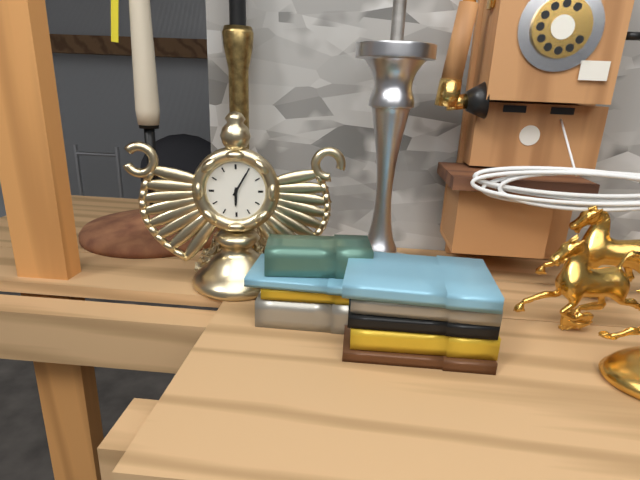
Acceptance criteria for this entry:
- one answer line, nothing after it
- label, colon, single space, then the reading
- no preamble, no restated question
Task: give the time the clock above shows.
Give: 6:05
